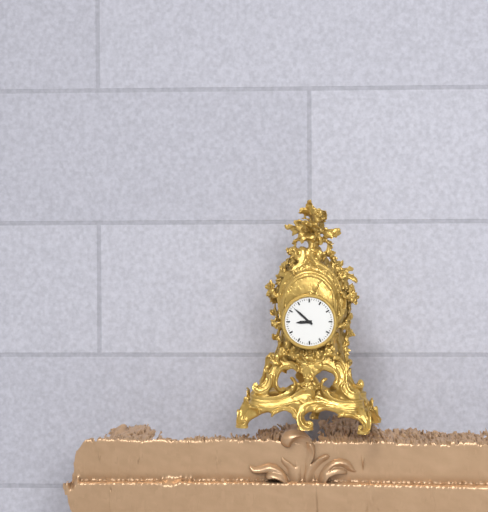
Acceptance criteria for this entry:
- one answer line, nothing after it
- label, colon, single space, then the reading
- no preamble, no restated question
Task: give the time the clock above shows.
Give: 8:52
